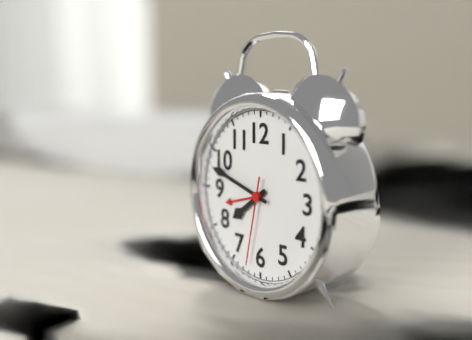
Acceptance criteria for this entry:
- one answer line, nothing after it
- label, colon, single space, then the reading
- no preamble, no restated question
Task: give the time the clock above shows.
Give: 7:48:32
